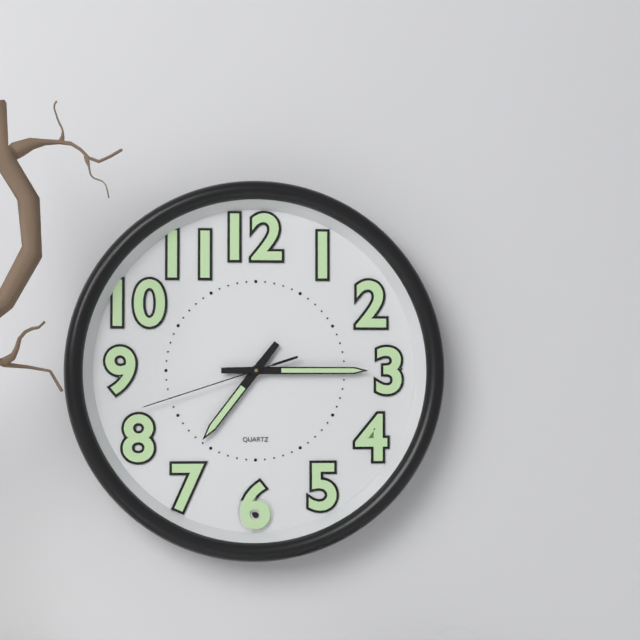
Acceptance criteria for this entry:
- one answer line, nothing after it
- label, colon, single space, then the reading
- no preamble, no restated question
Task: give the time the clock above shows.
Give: 7:15:42
